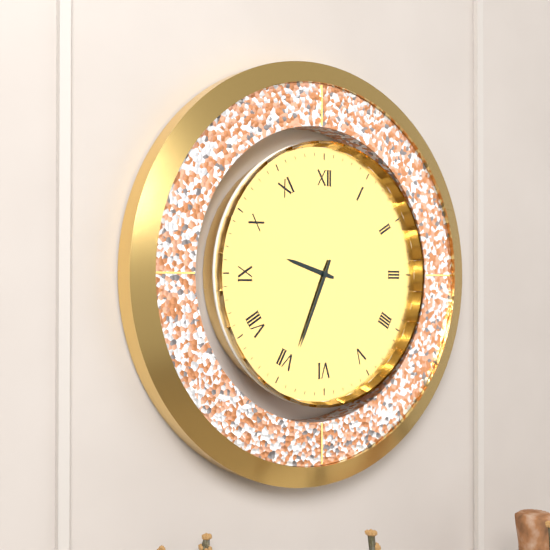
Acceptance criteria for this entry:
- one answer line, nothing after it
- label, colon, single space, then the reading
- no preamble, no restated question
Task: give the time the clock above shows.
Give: 9:34
